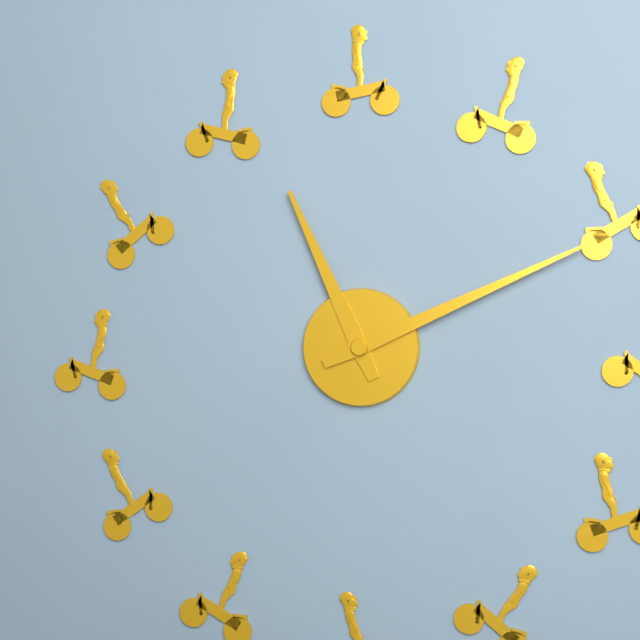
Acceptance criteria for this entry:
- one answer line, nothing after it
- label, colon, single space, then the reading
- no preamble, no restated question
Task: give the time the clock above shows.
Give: 11:11
